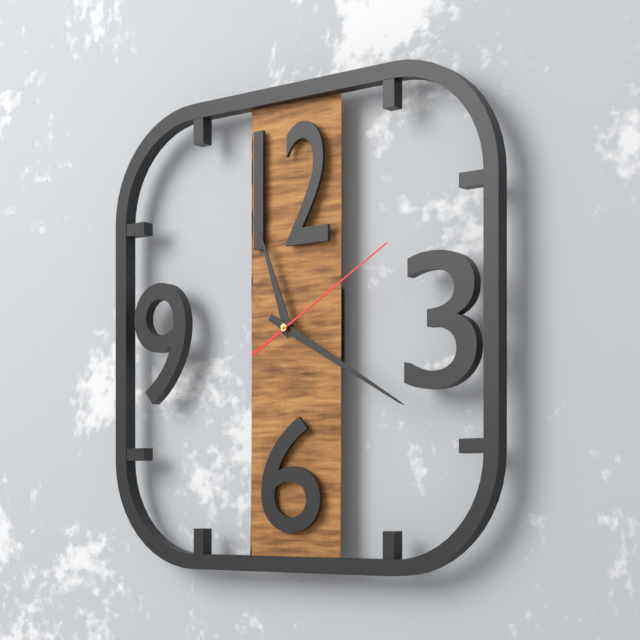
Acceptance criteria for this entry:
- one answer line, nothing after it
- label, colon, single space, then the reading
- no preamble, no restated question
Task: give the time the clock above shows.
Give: 11:20:10
